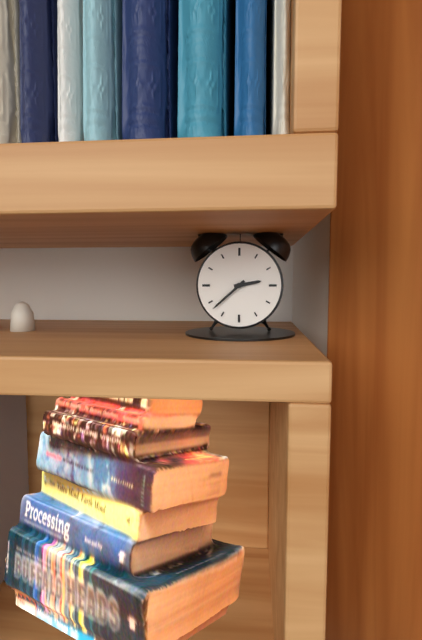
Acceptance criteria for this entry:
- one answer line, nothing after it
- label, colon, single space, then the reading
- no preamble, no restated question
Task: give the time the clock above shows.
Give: 2:38
